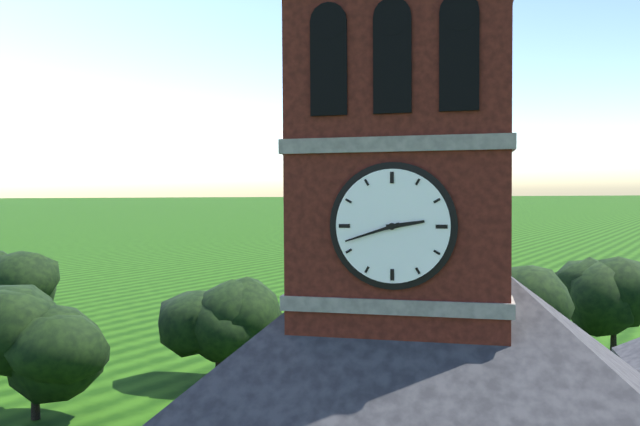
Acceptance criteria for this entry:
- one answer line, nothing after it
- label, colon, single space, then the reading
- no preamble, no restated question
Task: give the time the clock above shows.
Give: 2:42
